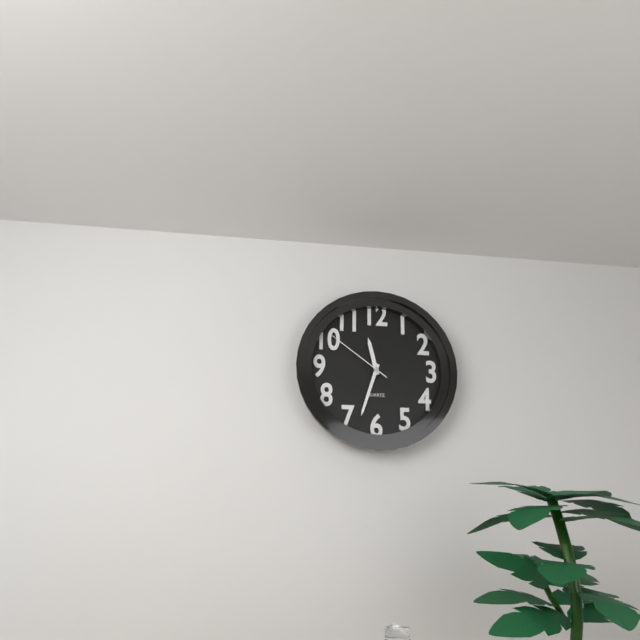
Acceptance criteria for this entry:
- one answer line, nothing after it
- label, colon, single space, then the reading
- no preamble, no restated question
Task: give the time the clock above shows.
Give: 11:33:51
